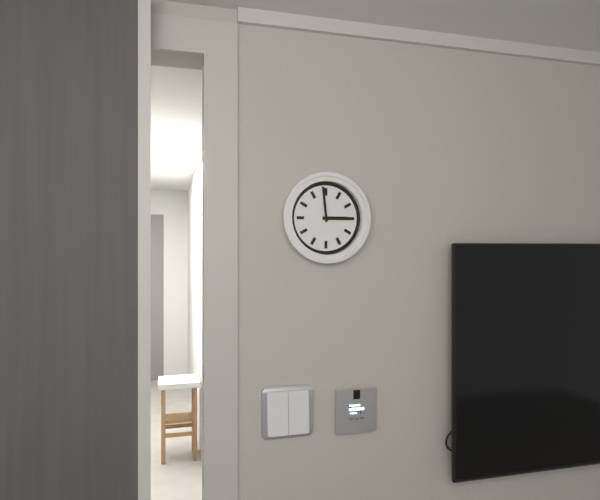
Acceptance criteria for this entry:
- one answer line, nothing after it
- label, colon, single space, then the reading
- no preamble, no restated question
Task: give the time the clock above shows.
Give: 2:59
